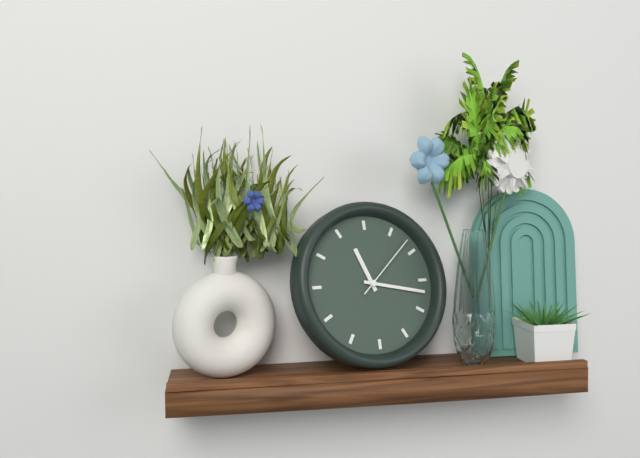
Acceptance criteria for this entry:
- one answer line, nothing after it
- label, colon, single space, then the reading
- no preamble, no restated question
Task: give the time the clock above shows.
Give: 11:17:08
